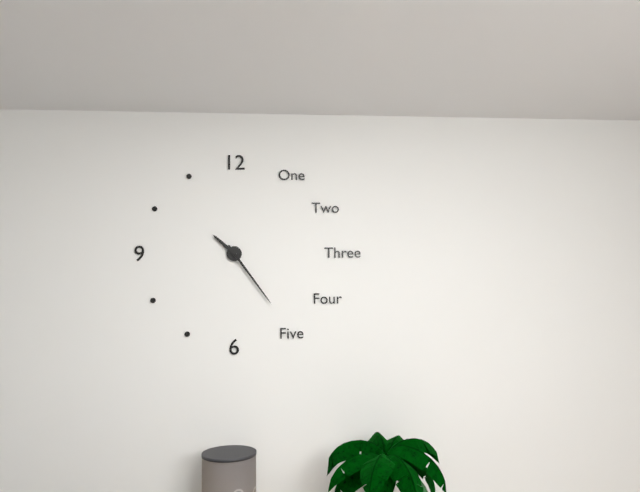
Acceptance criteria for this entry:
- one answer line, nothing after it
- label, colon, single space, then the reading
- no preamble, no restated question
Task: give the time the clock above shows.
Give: 10:24
